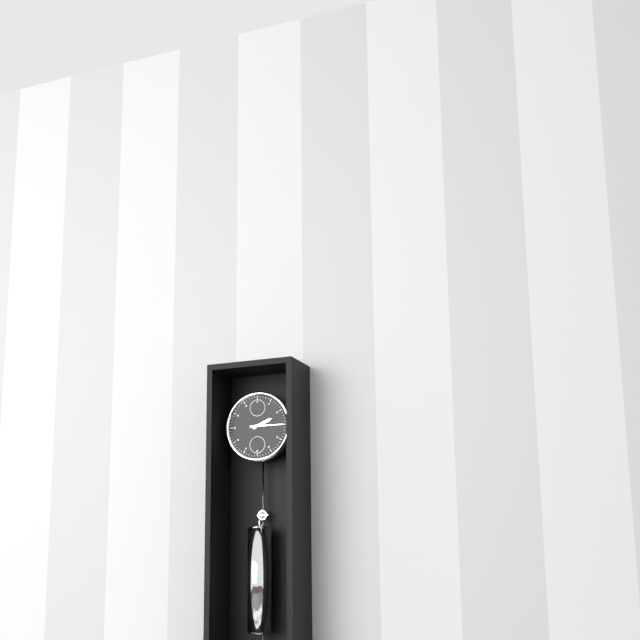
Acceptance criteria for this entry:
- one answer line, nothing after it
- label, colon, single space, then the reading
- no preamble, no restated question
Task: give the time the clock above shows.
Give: 2:15
